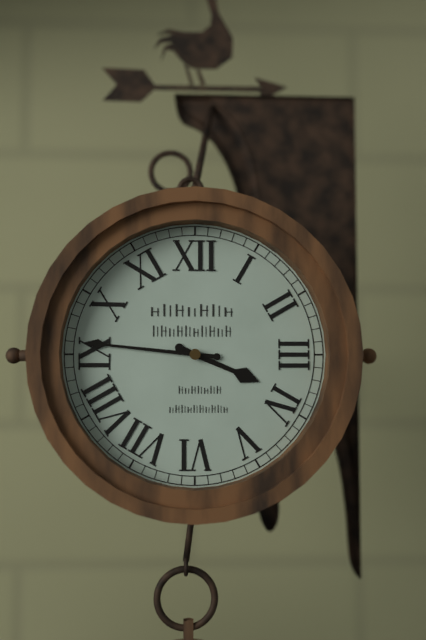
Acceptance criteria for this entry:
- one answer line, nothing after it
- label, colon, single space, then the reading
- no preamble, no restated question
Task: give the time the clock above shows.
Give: 3:46
